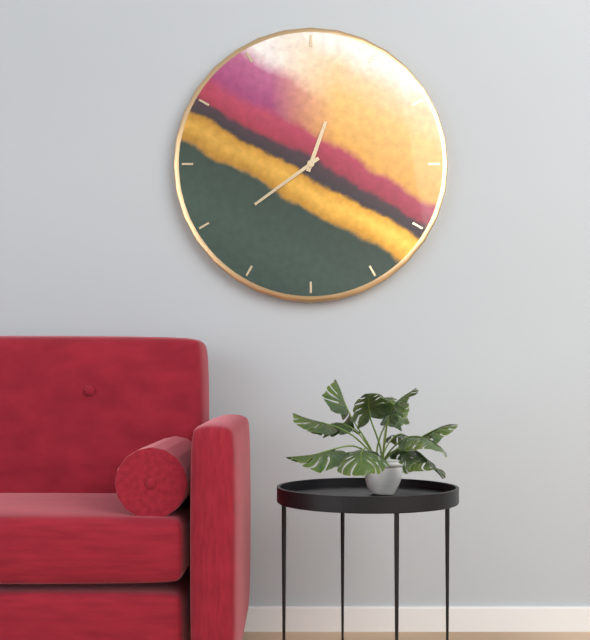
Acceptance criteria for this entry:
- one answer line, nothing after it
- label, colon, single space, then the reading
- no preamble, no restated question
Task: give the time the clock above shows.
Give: 12:39
